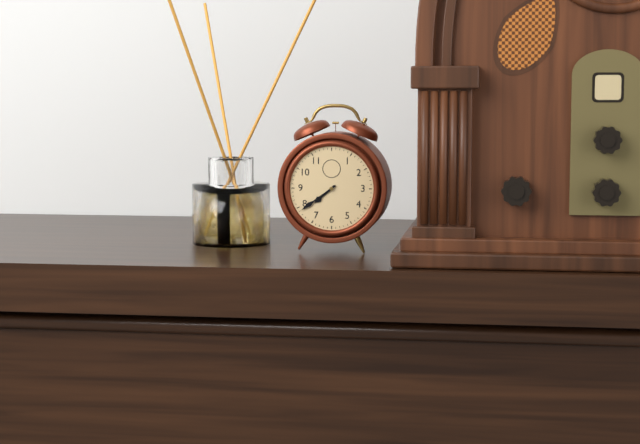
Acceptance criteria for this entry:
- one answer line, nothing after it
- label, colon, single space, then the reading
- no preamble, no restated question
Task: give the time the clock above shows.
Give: 7:39
